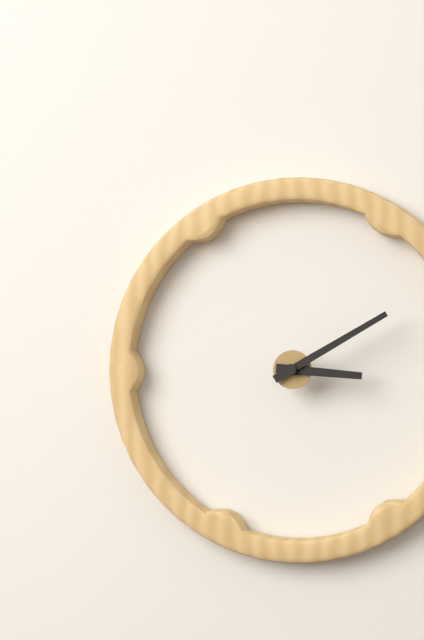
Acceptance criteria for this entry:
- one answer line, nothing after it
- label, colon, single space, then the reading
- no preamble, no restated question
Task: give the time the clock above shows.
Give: 3:10
